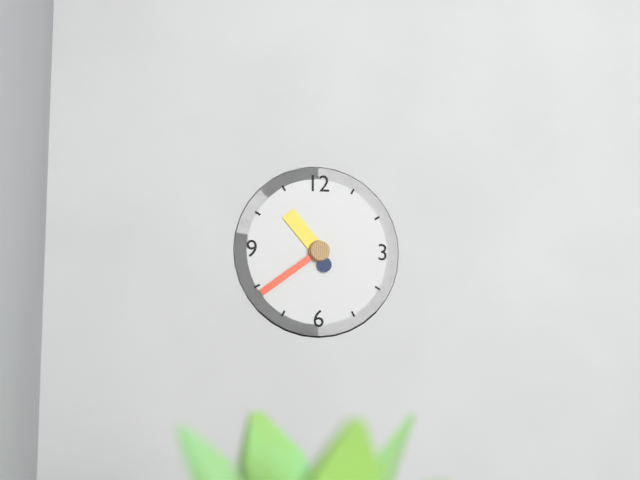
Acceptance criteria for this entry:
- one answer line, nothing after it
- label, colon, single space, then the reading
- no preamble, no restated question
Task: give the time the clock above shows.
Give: 10:39
